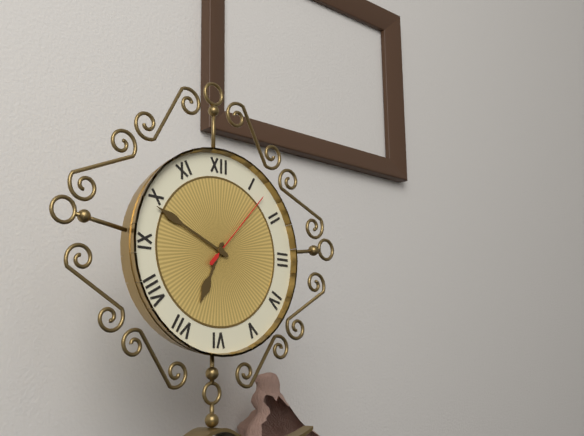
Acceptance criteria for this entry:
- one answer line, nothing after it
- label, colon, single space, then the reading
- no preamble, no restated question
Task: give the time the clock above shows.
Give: 6:49:07
